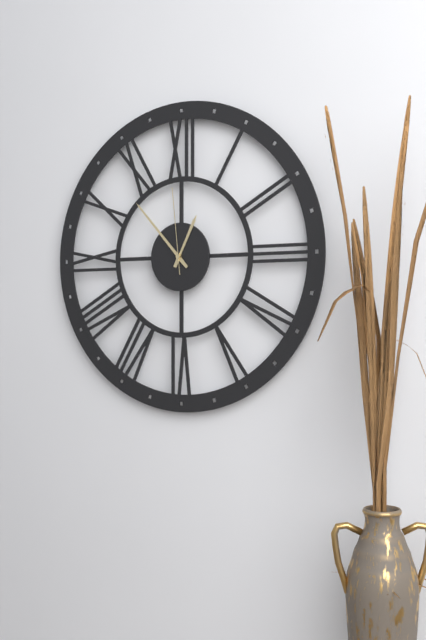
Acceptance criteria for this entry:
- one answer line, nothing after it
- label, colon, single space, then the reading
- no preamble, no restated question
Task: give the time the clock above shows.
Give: 12:53:59
